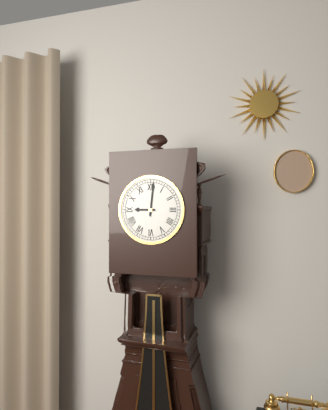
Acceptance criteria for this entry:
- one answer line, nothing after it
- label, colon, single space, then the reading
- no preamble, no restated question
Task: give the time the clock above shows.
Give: 9:01
